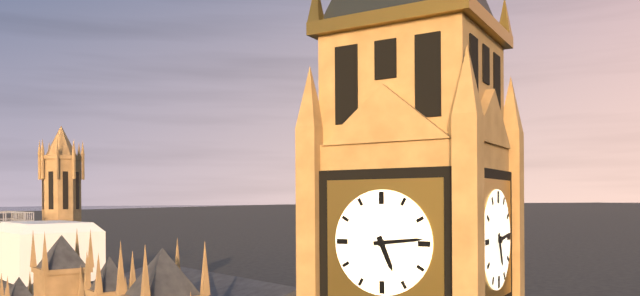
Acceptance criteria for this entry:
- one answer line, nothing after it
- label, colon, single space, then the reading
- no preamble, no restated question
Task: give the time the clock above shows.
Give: 5:14
